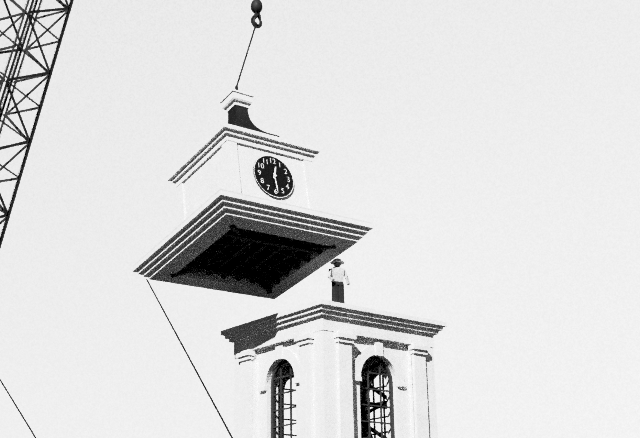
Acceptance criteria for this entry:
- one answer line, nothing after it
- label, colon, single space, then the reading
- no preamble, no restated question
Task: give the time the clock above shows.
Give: 12:29
